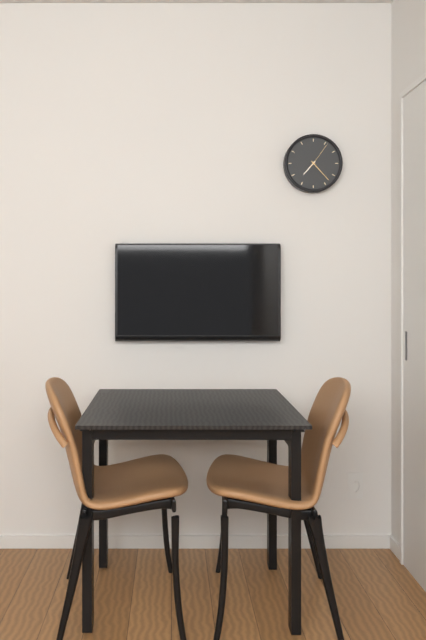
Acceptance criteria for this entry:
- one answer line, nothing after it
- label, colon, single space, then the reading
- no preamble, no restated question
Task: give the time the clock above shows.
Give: 7:23
